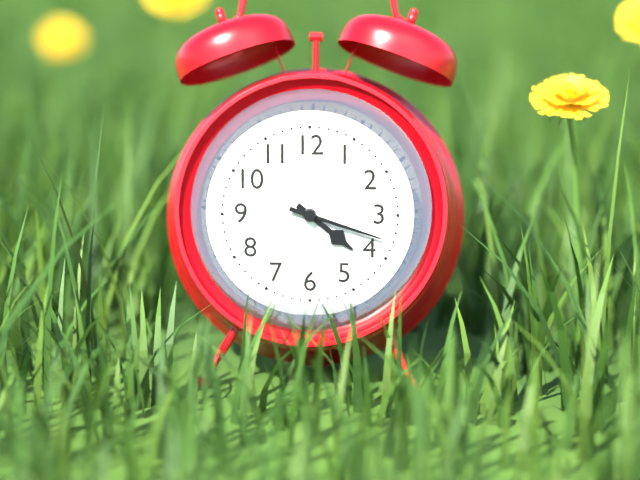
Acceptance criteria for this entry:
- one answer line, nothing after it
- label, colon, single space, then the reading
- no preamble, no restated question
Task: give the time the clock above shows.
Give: 4:18
